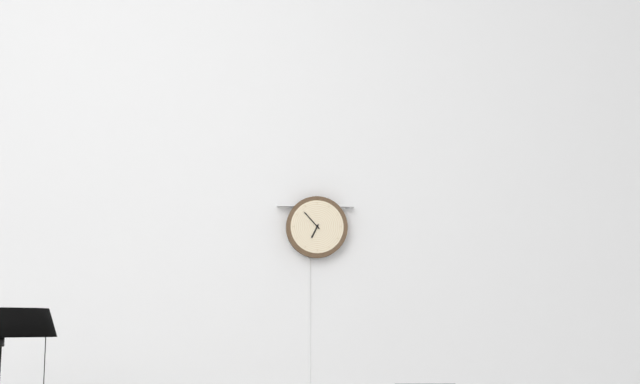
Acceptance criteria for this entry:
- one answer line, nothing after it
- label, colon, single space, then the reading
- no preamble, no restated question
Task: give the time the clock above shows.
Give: 6:53
